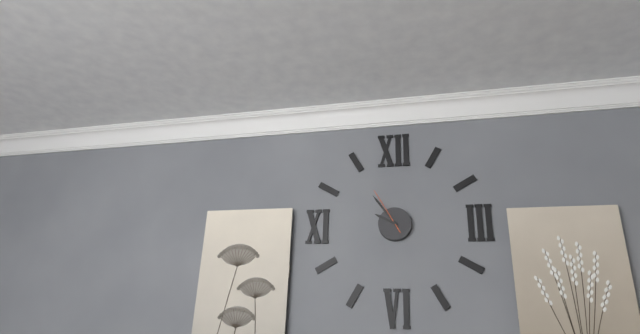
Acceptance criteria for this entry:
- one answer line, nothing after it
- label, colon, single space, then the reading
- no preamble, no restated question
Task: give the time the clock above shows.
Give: 9:54:55
